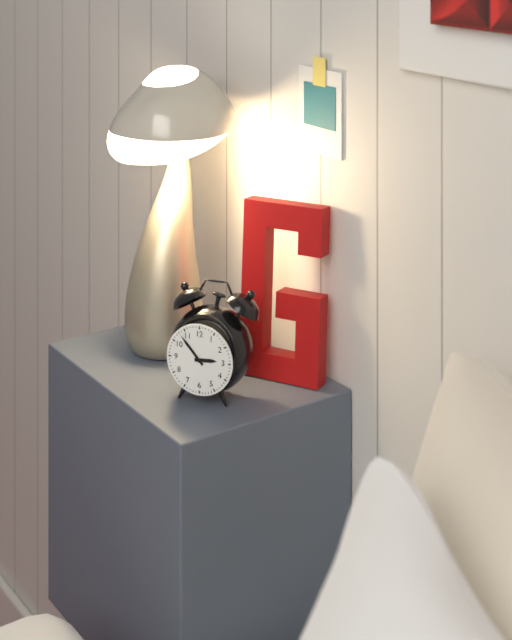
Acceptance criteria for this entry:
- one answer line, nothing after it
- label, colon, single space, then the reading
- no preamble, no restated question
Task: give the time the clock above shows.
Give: 2:53
